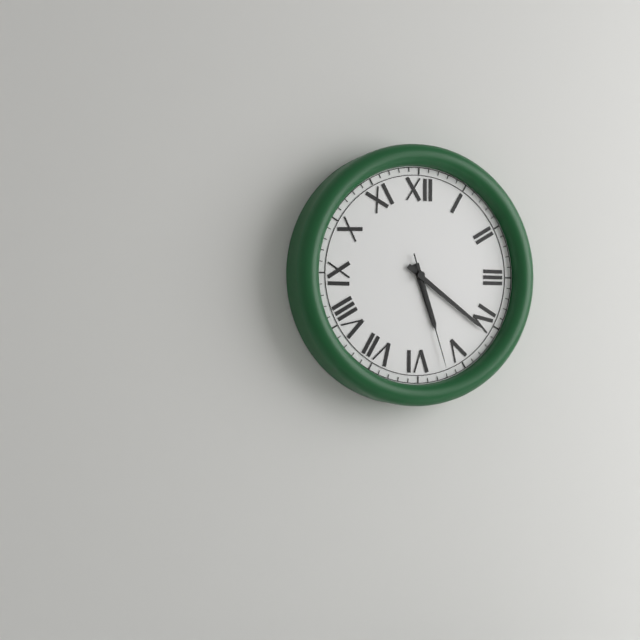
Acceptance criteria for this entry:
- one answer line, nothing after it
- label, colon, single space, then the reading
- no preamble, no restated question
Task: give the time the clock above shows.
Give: 5:21:27
